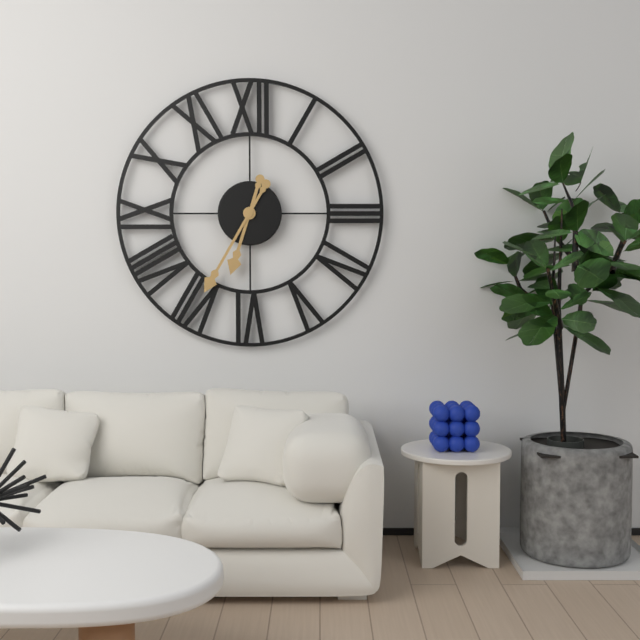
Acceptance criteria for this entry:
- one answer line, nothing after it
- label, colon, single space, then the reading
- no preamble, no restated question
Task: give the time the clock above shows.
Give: 6:35
